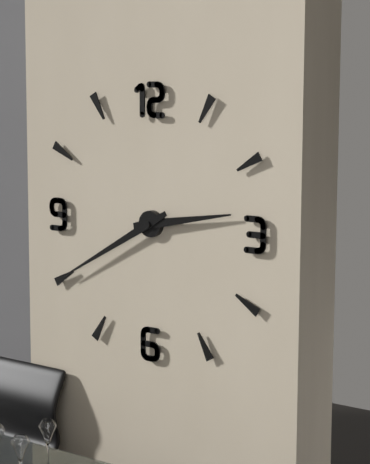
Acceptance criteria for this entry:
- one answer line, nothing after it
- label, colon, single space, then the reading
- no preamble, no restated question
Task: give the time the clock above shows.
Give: 2:40
